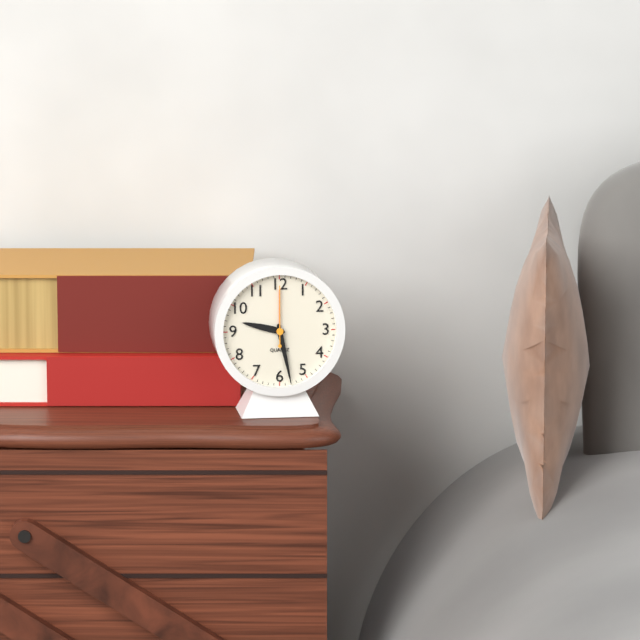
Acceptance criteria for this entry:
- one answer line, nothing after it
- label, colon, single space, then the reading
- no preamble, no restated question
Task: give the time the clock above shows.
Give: 9:28:00
